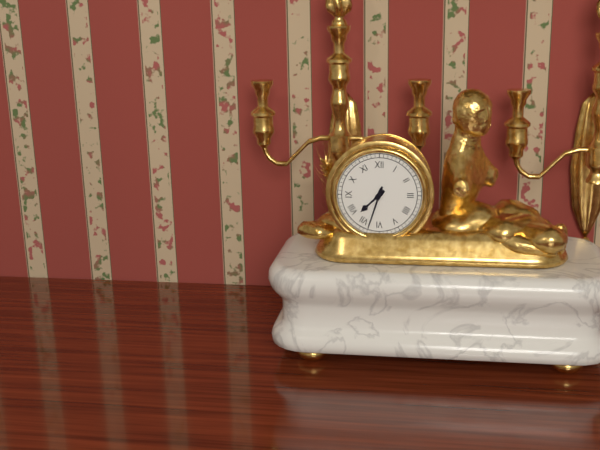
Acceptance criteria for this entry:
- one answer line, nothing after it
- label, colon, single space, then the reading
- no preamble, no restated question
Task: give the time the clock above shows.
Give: 7:33
